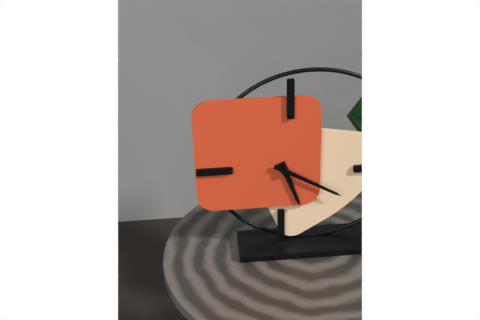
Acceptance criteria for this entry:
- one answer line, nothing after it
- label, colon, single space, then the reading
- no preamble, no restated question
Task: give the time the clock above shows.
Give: 5:20
